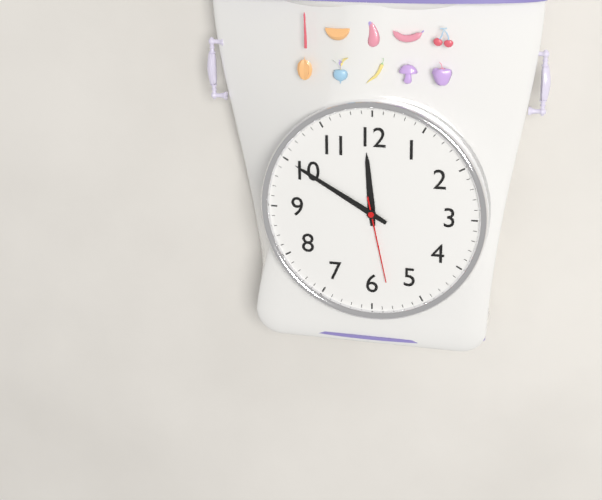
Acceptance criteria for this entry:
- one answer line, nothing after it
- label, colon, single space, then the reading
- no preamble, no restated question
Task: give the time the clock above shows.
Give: 11:50:28
